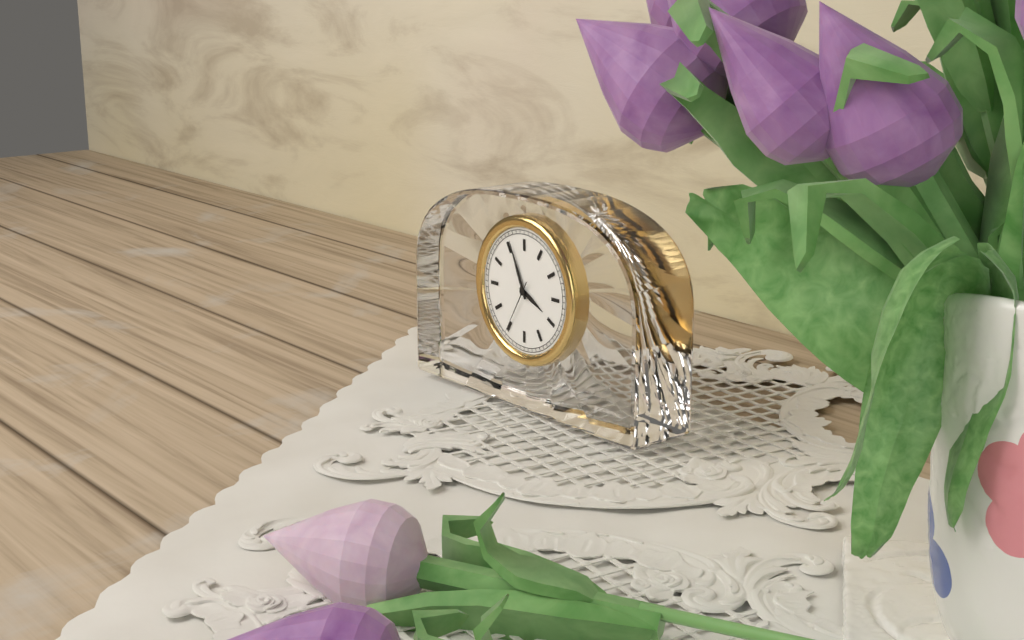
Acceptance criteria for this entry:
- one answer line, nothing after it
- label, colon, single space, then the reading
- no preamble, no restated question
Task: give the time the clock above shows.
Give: 3:56:35
